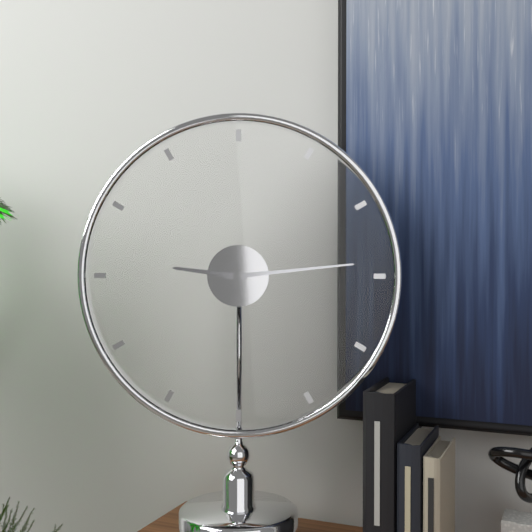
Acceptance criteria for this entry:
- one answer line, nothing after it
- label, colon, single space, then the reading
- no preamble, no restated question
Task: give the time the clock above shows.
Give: 9:14
